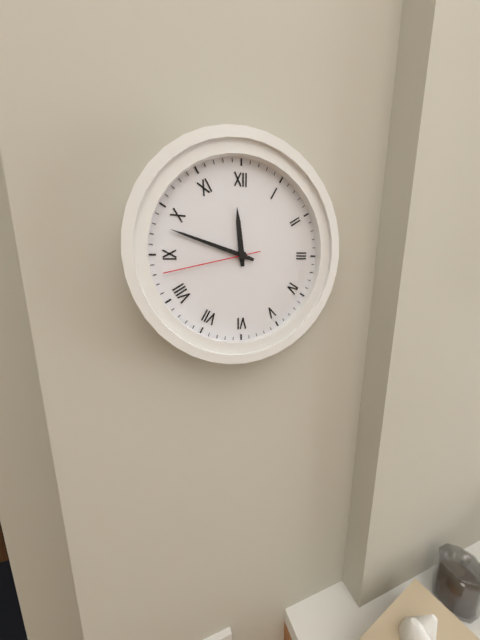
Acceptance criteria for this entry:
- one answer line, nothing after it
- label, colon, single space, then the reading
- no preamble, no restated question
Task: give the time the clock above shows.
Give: 11:48:43
